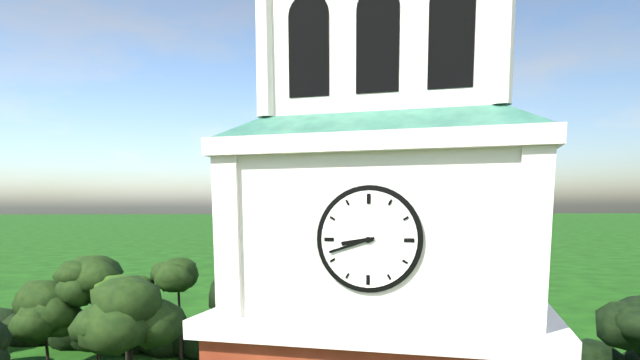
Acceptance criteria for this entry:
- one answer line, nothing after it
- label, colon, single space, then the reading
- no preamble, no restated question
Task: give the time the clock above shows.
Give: 8:42
